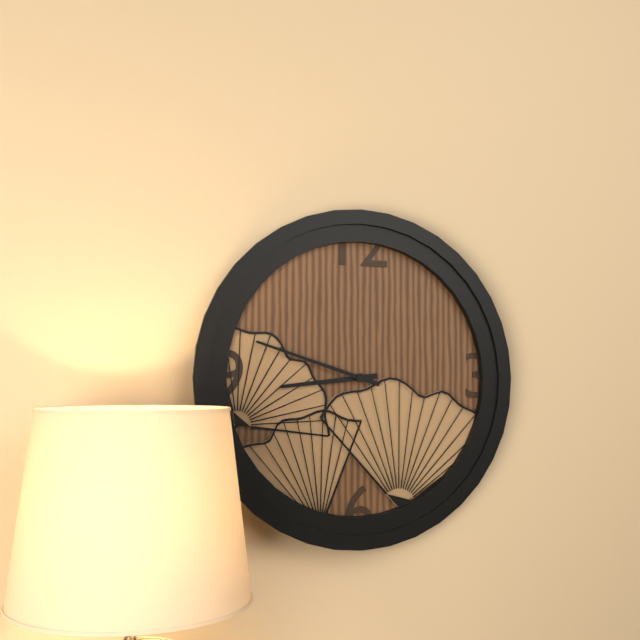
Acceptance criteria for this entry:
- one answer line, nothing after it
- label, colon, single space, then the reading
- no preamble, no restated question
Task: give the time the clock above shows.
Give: 8:48
